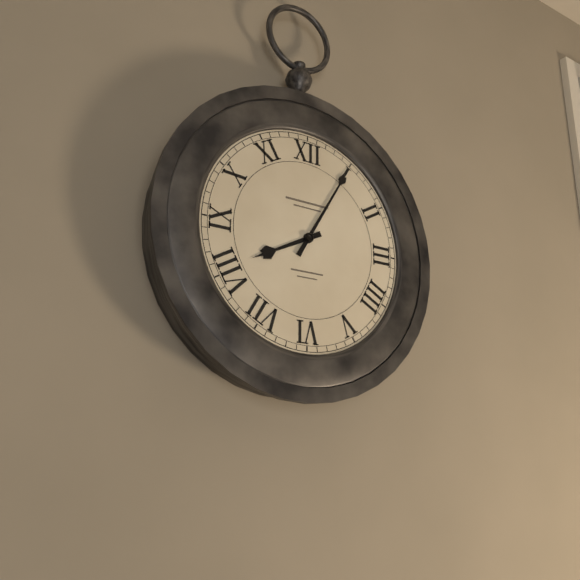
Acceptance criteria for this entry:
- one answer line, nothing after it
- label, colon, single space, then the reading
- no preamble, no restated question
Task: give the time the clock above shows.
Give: 8:05
